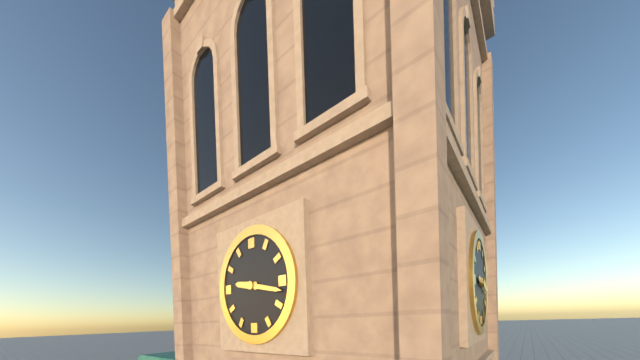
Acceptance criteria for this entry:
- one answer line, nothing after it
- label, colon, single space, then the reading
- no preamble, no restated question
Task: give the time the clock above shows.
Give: 9:17
